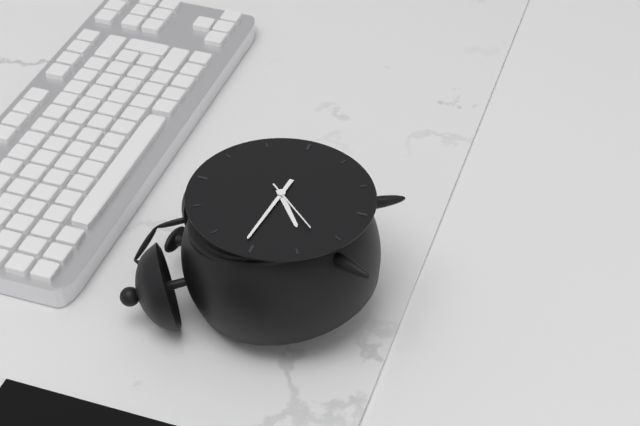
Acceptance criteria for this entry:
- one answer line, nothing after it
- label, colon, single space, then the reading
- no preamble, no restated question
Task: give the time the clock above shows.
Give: 7:46:37
